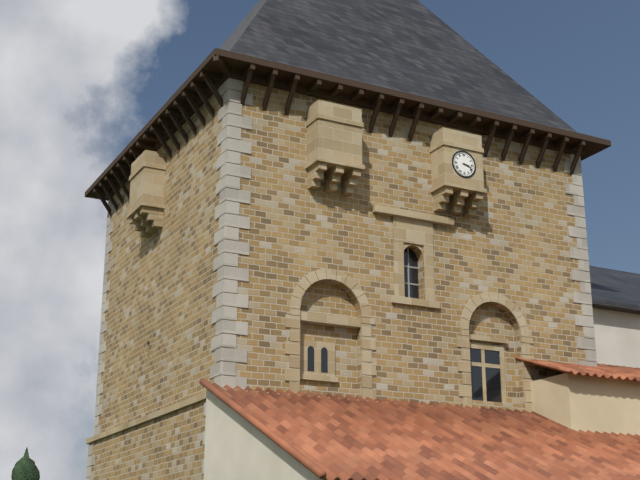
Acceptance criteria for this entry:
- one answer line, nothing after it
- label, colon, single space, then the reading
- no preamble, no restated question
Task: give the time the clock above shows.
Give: 3:18
